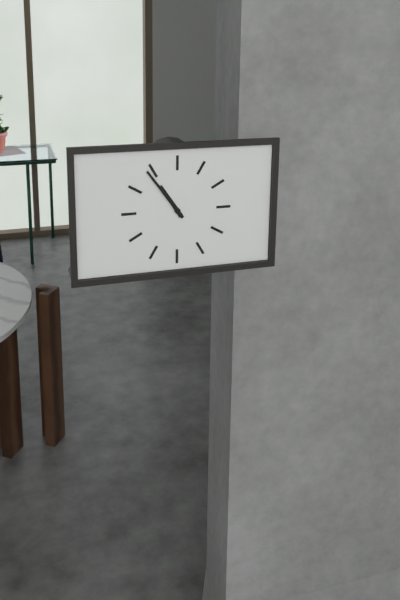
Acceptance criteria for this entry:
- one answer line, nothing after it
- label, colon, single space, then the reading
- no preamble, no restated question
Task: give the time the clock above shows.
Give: 10:54
